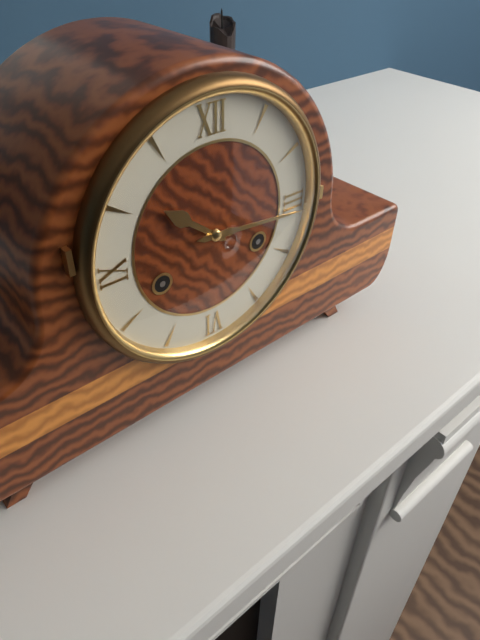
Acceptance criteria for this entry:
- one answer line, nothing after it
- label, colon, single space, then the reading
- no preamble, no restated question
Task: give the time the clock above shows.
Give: 10:16
